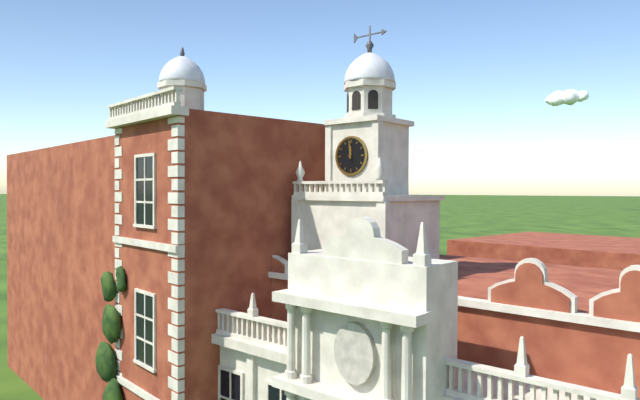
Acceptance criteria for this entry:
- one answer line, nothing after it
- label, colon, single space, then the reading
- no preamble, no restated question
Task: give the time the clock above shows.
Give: 11:59
